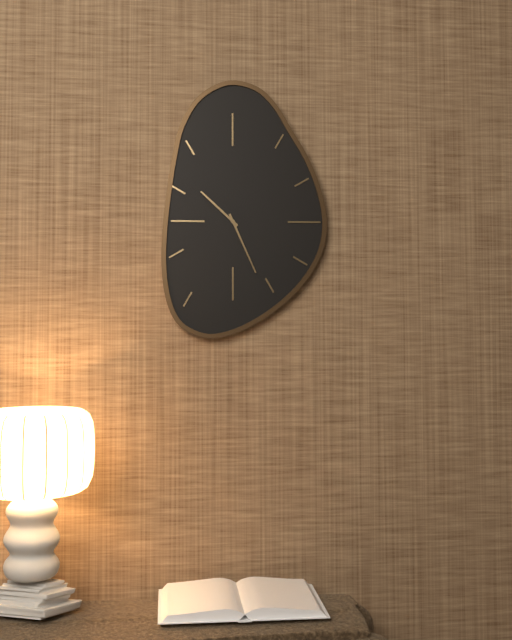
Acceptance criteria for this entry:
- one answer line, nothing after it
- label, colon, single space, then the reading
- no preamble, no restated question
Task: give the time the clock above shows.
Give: 10:26
